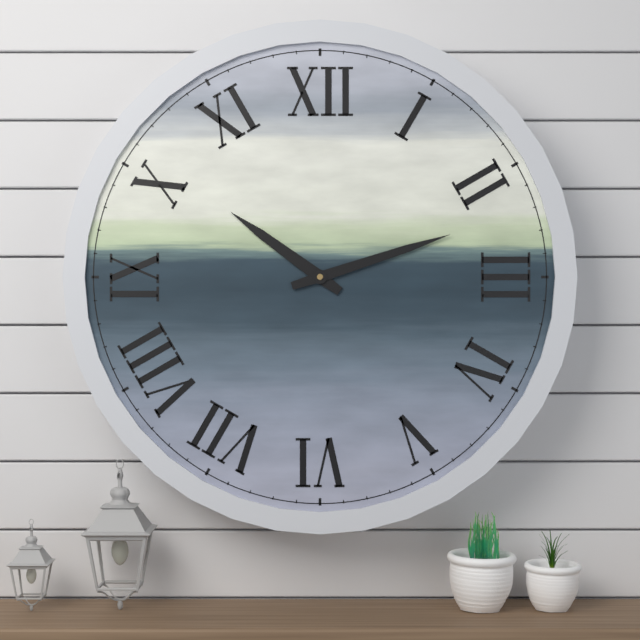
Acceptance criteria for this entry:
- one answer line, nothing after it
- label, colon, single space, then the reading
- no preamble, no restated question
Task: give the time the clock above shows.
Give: 10:12
